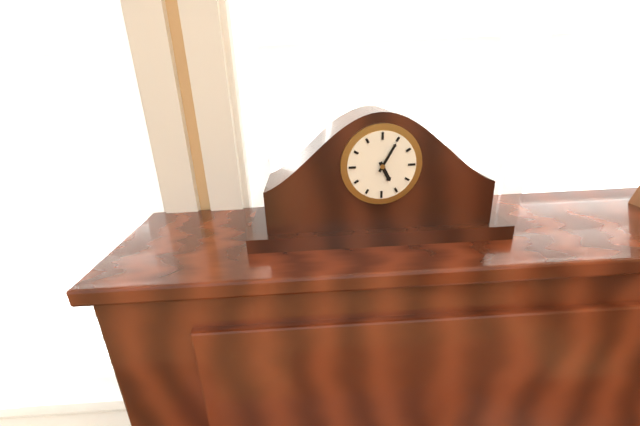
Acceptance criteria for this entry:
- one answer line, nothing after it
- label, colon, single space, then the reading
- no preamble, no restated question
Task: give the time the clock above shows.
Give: 5:05
